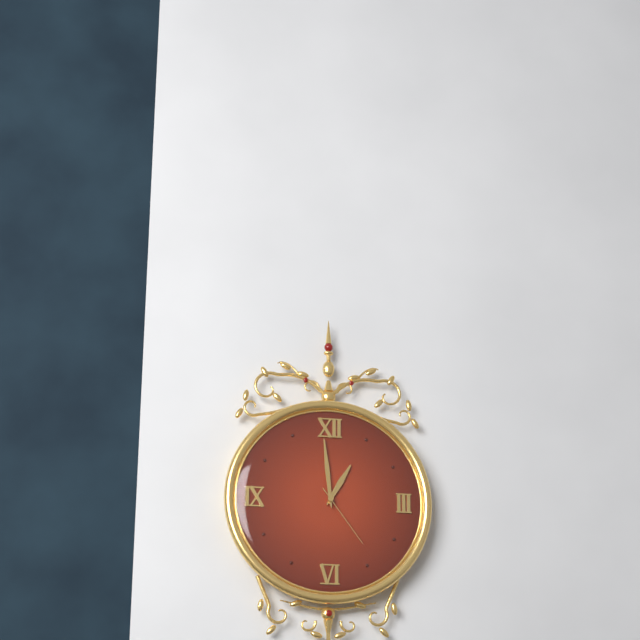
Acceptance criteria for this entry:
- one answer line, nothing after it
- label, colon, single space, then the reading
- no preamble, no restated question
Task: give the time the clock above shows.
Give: 12:59:24
